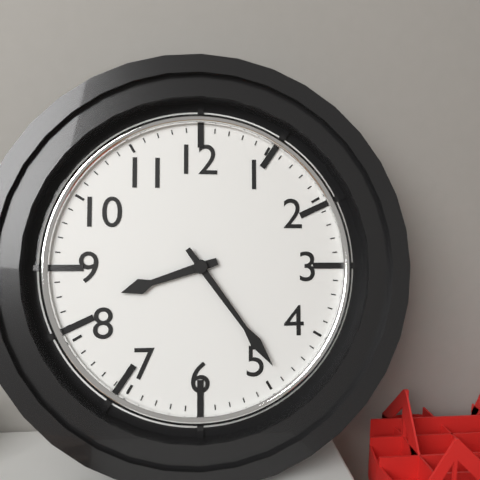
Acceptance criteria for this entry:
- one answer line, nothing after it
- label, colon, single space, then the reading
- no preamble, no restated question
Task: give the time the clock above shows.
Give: 8:24
